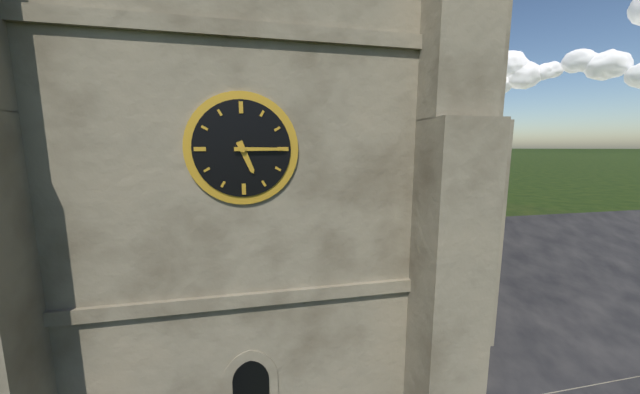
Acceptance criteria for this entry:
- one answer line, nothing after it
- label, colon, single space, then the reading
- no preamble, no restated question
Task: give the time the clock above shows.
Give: 5:15
